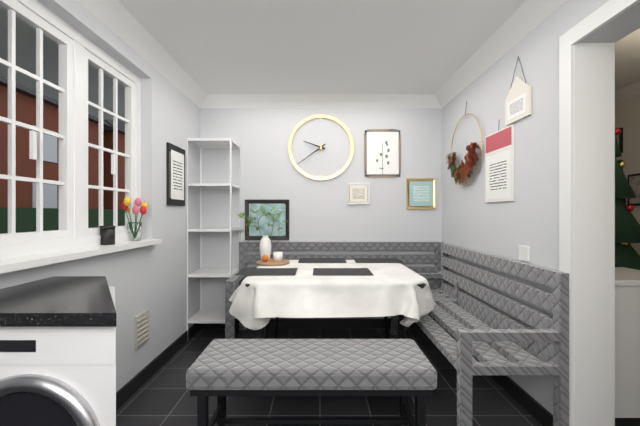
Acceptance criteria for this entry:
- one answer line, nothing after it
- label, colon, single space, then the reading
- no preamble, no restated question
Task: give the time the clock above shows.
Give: 9:39
